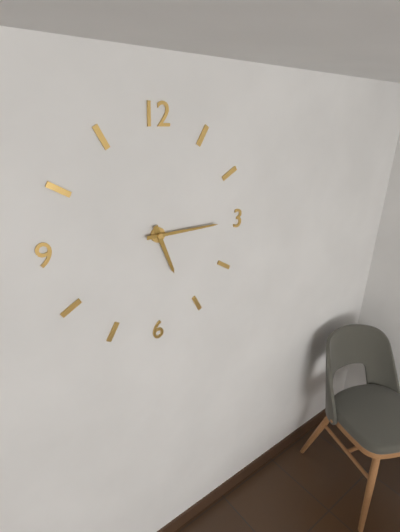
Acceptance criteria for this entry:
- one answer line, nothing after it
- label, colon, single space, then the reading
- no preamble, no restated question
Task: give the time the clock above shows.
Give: 5:15
